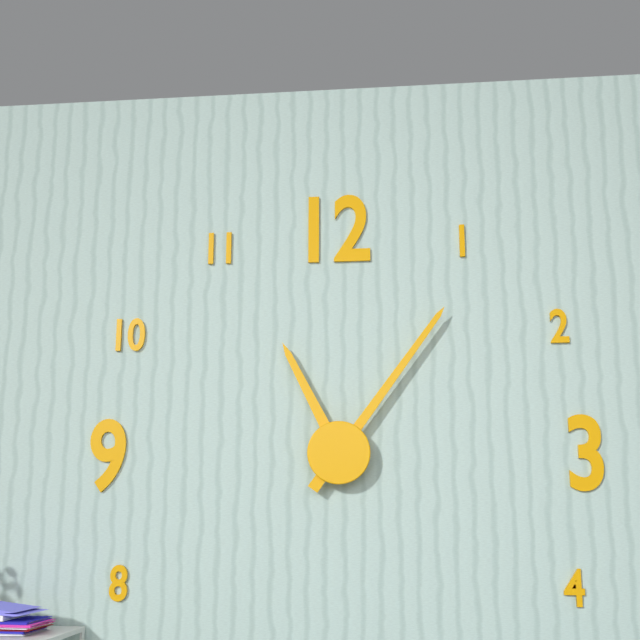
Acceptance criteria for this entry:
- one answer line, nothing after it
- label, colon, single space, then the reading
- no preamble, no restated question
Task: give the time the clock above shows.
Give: 11:06
